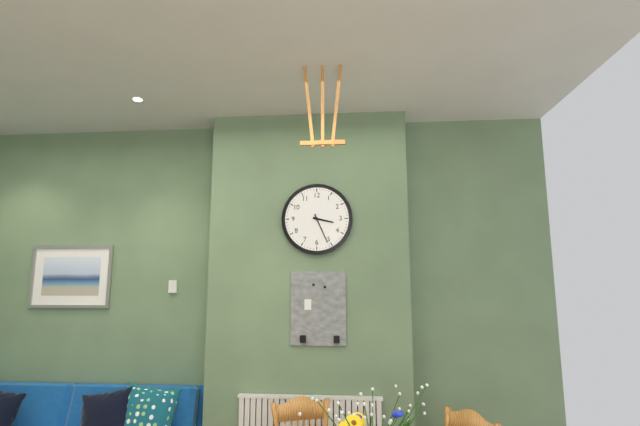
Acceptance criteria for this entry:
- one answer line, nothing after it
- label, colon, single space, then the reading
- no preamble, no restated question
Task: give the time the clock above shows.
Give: 3:26
